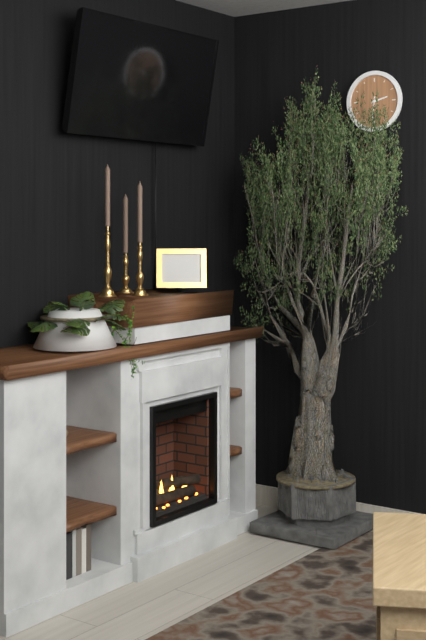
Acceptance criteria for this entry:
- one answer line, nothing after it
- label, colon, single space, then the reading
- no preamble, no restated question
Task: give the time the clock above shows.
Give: 2:31
